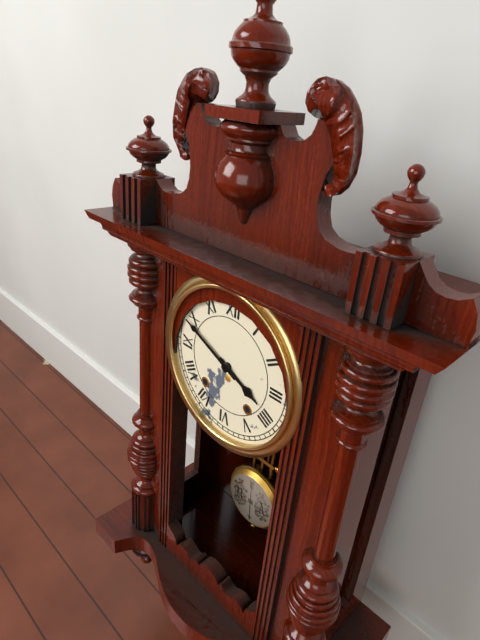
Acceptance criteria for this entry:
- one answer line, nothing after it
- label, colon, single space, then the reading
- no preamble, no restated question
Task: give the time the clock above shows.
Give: 3:49
